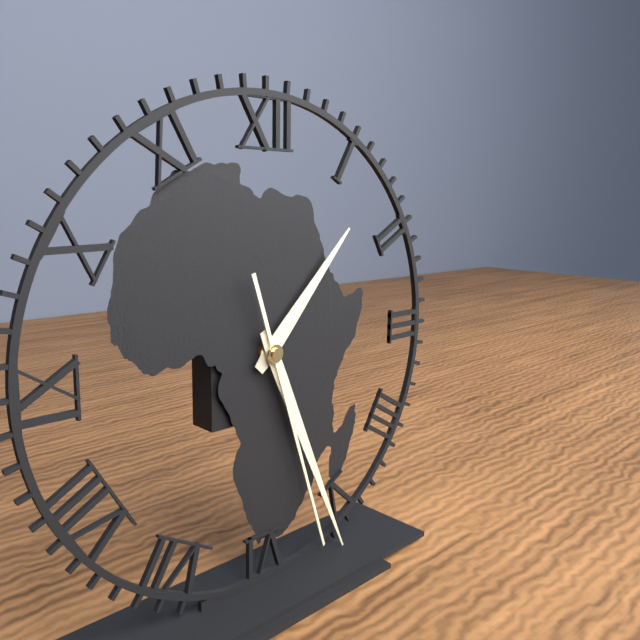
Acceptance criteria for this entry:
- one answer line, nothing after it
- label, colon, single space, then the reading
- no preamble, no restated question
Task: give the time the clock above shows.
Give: 1:26:27
